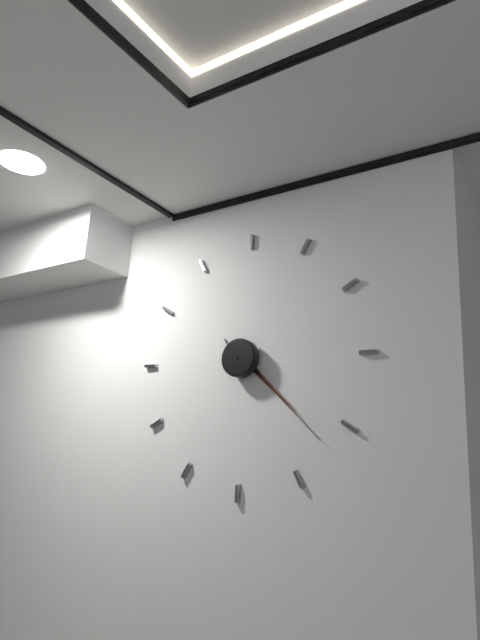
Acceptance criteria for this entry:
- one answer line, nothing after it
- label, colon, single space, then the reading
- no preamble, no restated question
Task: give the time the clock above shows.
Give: 4:22
